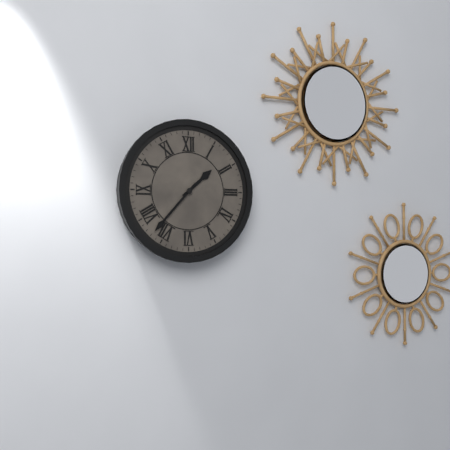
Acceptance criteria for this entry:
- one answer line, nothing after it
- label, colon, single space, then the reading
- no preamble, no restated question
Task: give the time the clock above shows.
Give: 1:37
